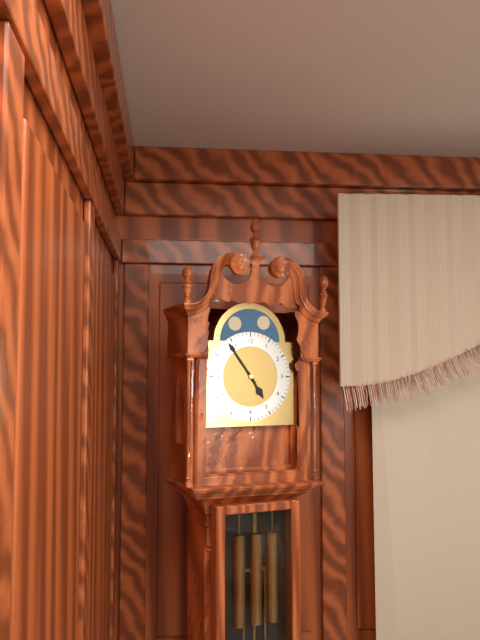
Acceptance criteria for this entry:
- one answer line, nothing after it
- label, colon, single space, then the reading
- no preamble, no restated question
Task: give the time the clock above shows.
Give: 4:54
